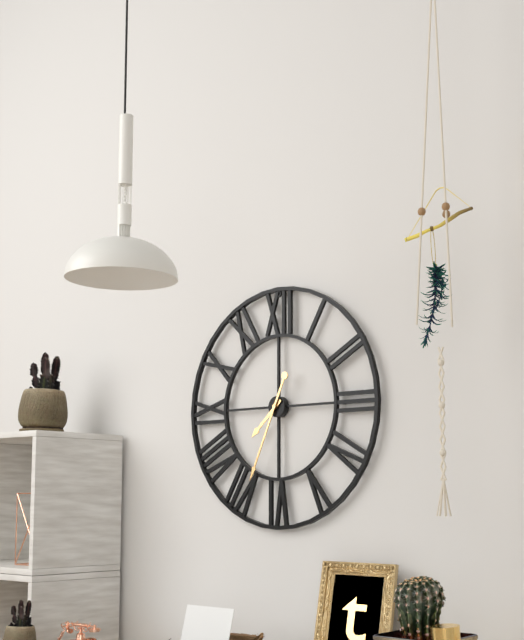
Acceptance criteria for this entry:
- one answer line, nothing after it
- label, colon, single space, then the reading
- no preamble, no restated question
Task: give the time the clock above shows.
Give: 7:34
